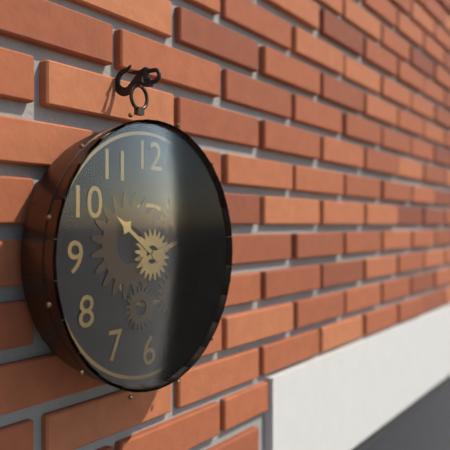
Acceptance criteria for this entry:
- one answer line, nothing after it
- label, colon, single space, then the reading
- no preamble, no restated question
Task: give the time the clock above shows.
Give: 10:12
